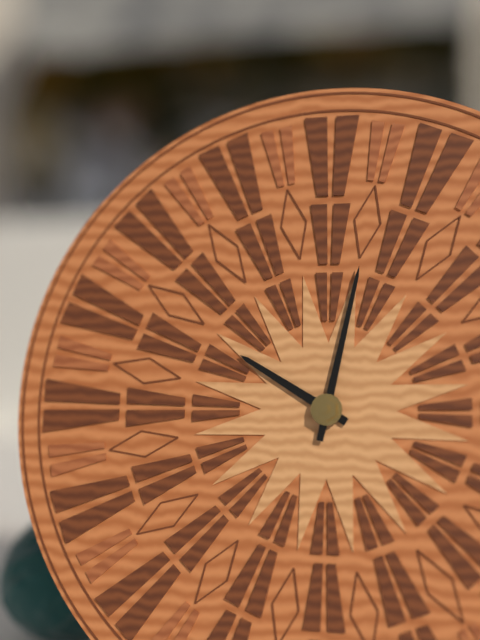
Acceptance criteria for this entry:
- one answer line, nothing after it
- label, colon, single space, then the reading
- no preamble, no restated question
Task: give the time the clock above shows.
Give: 10:02
